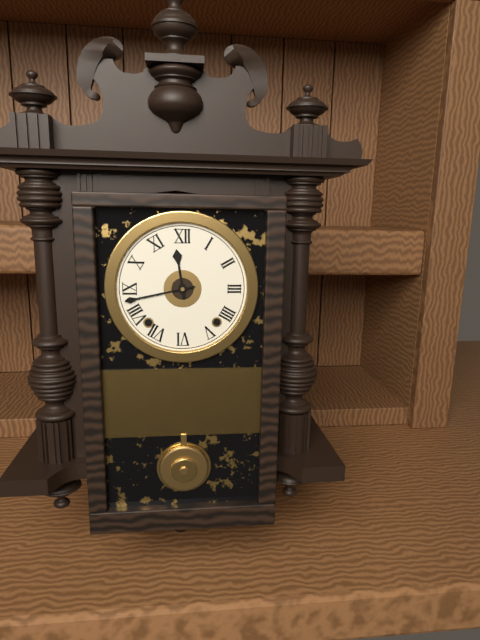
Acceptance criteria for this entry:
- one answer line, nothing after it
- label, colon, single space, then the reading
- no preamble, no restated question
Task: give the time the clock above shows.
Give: 11:43
